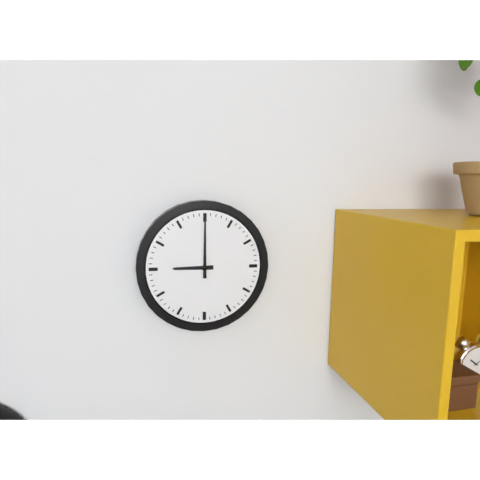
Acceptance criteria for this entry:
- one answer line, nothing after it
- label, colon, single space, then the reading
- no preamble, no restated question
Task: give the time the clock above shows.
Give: 9:00
